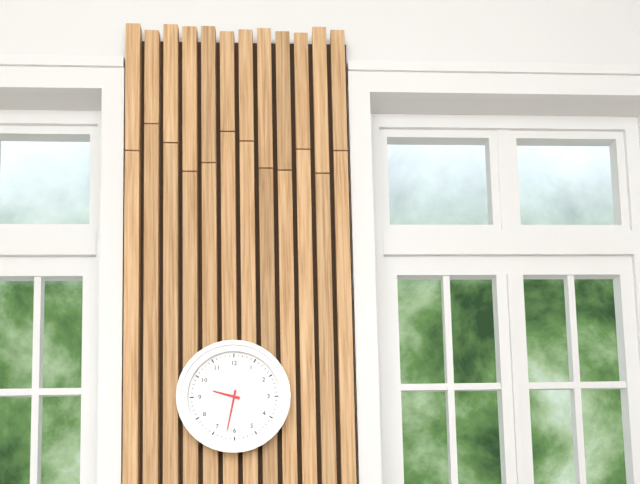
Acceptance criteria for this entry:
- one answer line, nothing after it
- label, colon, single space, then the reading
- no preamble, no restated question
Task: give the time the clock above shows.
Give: 9:32
